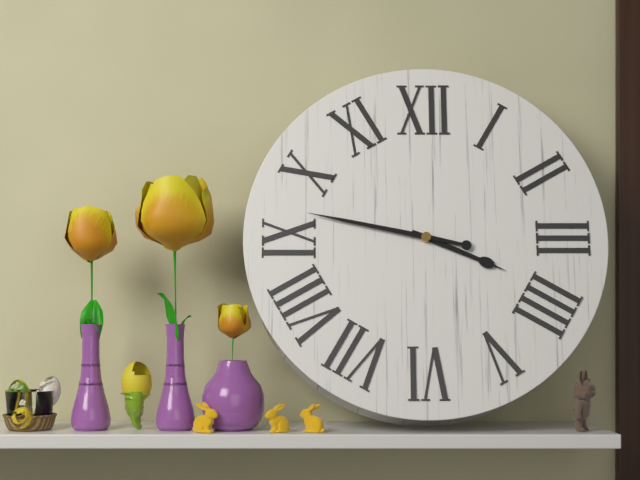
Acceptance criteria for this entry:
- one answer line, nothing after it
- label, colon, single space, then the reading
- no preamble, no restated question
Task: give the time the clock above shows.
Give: 3:47
